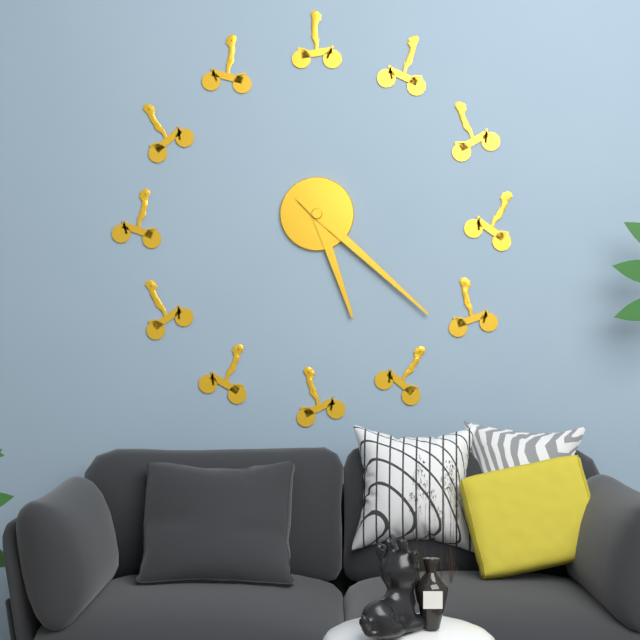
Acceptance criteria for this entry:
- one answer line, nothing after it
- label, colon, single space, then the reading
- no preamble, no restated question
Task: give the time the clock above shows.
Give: 5:22
